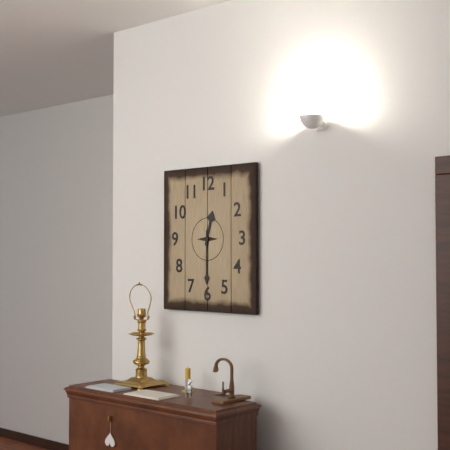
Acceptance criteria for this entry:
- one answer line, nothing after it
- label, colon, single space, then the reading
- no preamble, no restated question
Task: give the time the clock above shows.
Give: 12:30
